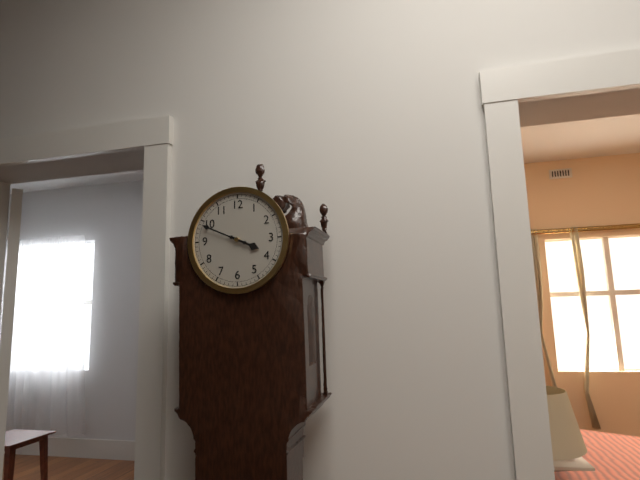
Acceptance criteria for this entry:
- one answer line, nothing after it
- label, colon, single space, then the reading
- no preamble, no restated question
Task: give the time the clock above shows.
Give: 3:49
